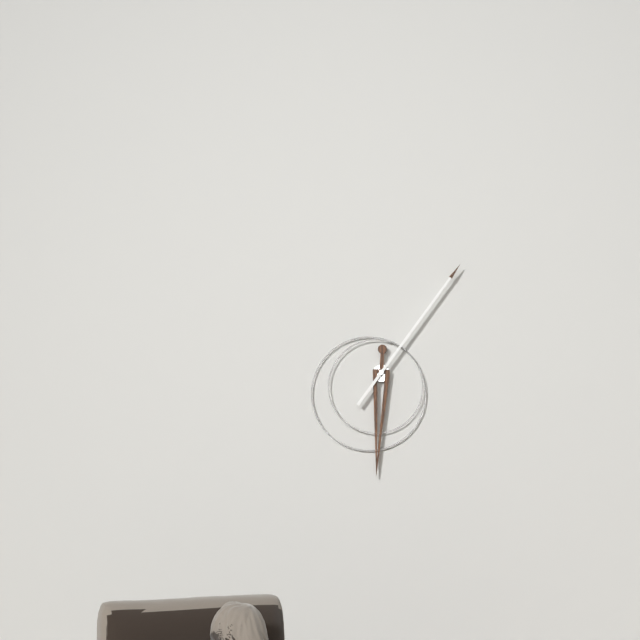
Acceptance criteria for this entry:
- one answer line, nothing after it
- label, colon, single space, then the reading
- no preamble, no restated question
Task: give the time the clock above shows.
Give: 6:06
